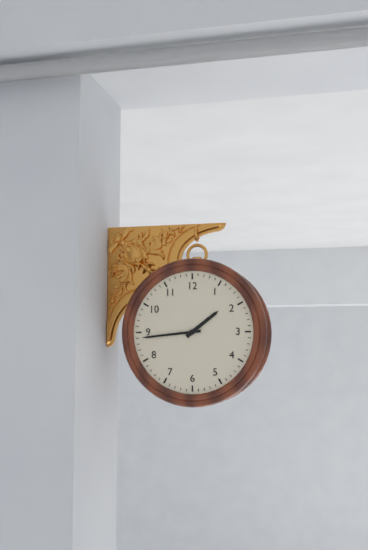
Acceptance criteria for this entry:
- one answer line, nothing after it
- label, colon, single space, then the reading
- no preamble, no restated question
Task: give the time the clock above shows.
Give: 1:44
